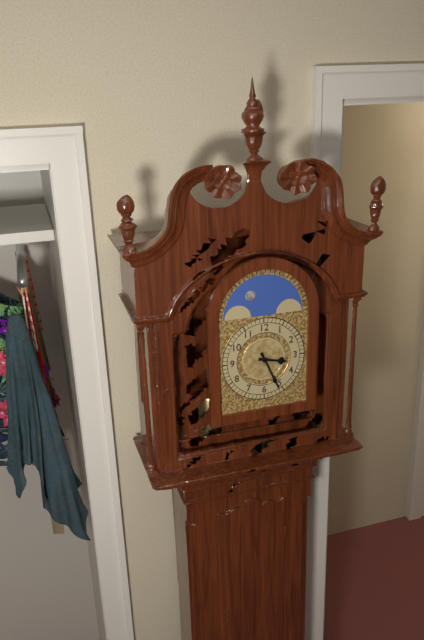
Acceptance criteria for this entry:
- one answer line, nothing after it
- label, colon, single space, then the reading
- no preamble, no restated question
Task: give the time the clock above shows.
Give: 3:26
